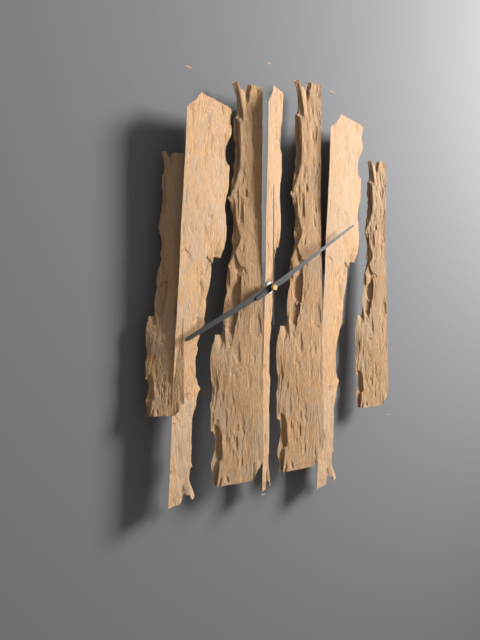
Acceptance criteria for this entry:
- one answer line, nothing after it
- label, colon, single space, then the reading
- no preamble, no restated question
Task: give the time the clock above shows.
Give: 8:10:00
